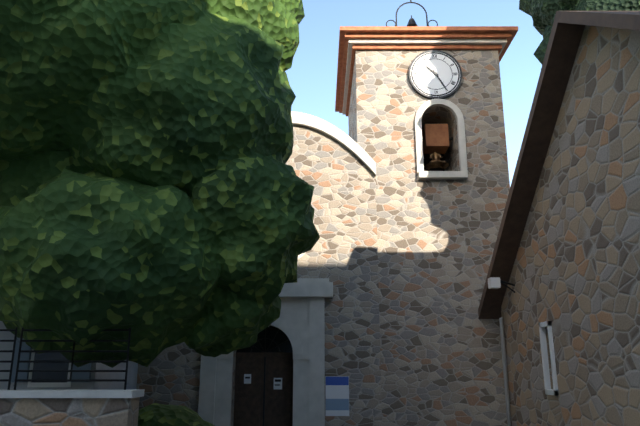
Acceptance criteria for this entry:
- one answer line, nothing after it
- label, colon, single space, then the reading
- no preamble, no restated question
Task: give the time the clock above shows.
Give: 10:25
